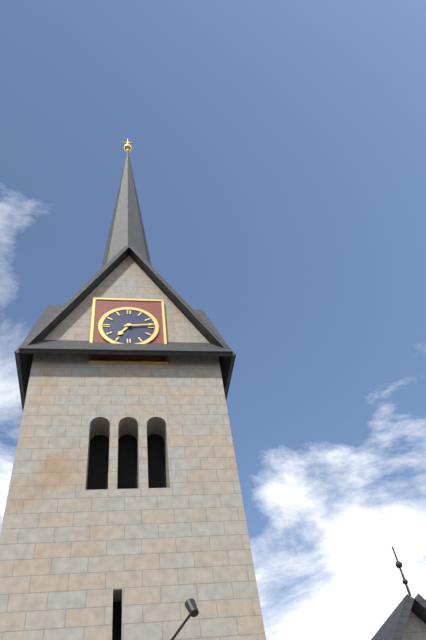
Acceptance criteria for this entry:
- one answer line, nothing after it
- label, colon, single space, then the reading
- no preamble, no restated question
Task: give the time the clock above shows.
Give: 7:14
